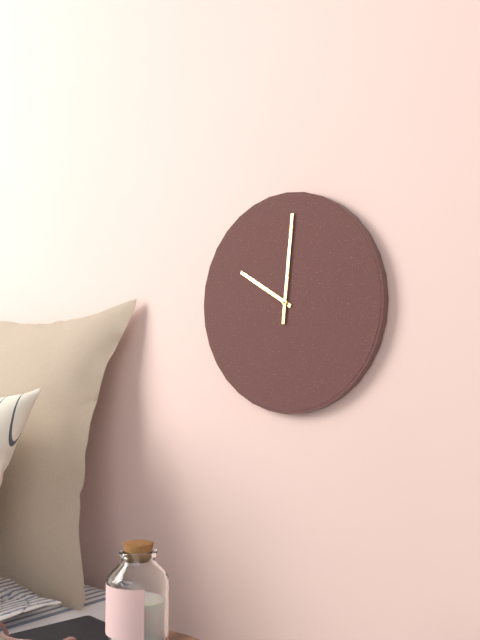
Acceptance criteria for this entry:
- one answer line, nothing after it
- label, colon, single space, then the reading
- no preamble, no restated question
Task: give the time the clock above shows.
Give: 10:01
